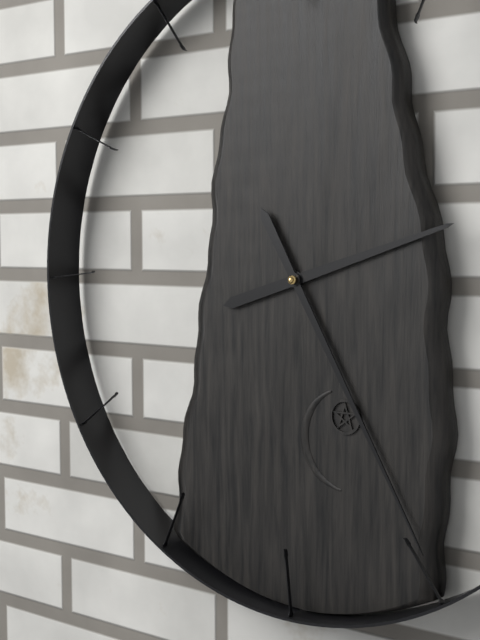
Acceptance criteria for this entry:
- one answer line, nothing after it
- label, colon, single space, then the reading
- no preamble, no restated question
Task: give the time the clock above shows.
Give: 2:25
